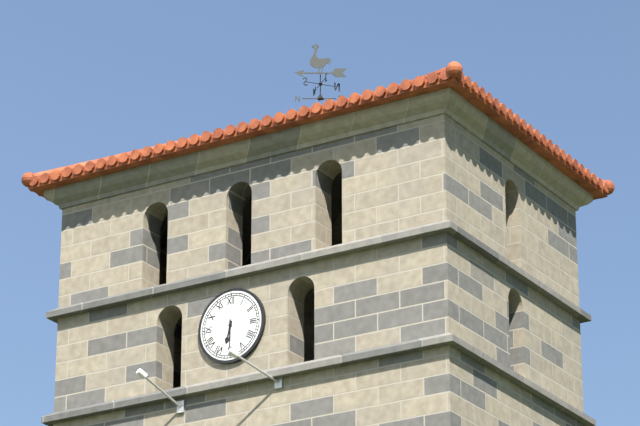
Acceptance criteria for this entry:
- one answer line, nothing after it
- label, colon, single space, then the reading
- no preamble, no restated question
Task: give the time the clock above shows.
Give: 6:30
